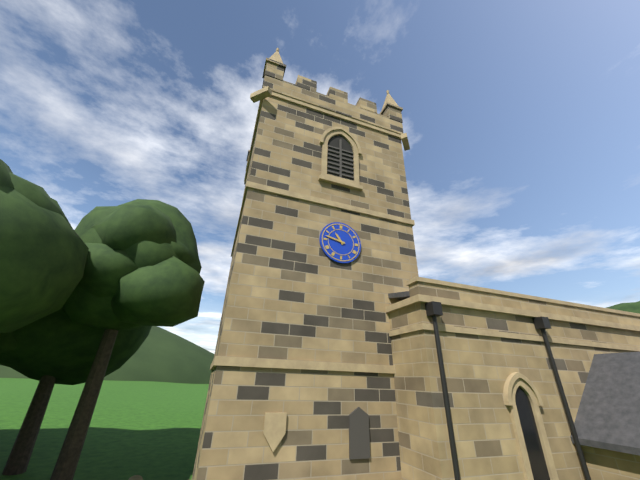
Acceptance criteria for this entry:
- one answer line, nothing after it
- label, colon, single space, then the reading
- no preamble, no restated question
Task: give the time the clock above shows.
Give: 10:47
